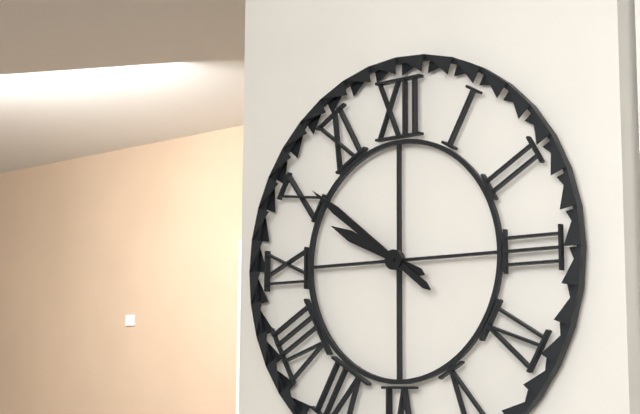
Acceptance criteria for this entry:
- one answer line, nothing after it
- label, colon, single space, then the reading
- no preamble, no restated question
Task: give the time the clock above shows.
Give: 9:51
